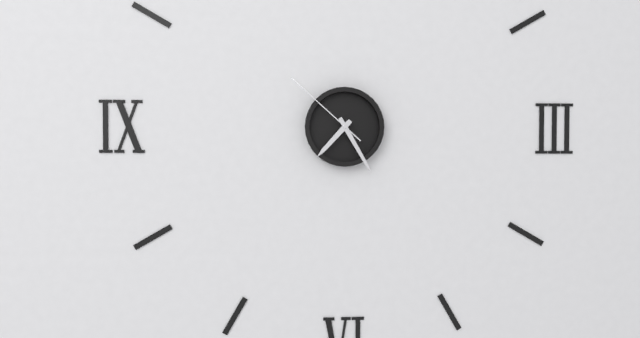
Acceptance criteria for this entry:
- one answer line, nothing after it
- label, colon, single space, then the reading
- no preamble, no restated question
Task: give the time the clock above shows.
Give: 7:25:52
